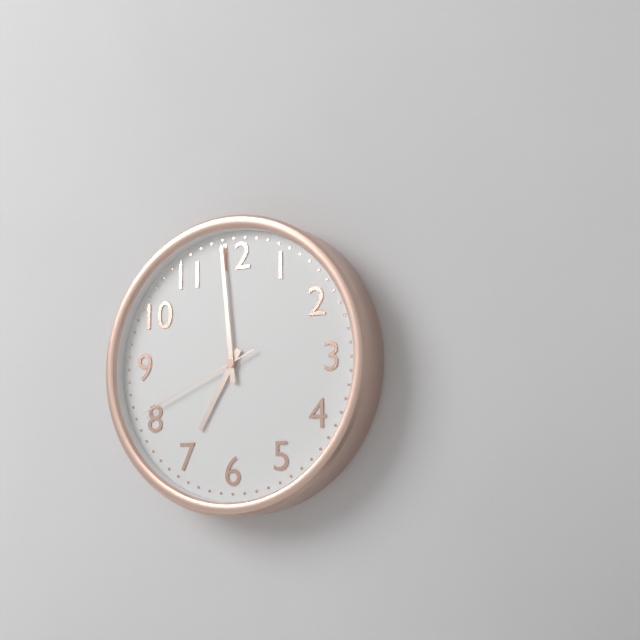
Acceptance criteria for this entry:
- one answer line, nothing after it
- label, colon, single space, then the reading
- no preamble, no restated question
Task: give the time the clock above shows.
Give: 6:59:41
